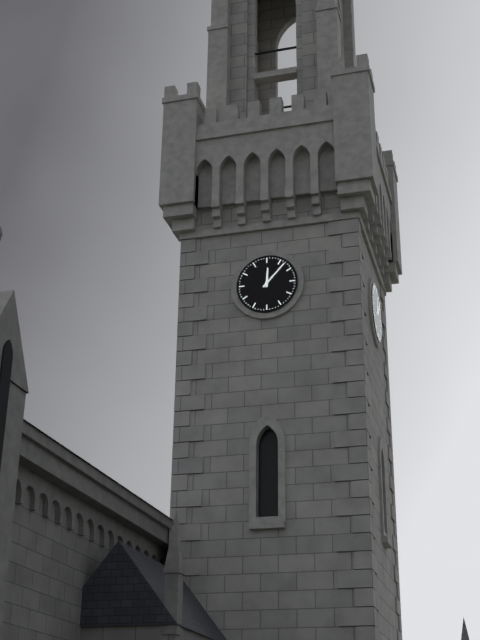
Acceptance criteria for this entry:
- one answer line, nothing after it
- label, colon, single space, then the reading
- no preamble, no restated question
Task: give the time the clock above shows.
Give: 12:07
